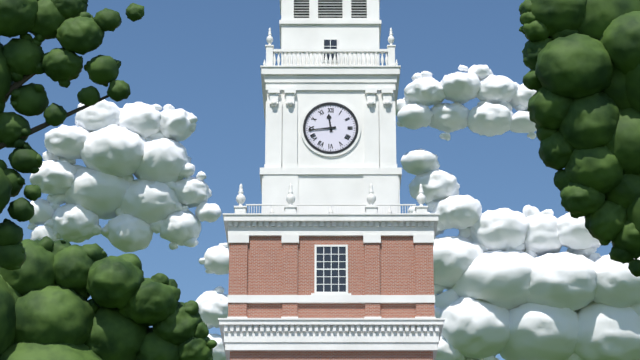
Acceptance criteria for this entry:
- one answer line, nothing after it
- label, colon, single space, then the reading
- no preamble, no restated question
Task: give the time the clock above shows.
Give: 11:44
